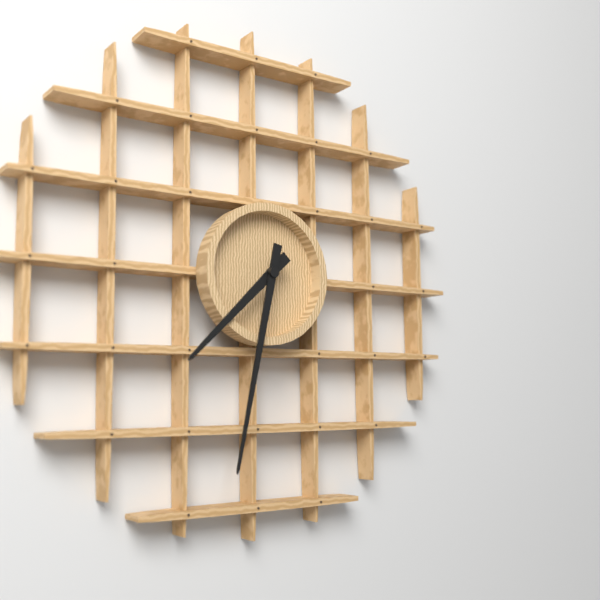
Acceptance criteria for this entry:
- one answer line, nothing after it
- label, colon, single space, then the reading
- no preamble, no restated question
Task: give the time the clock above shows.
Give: 7:32
